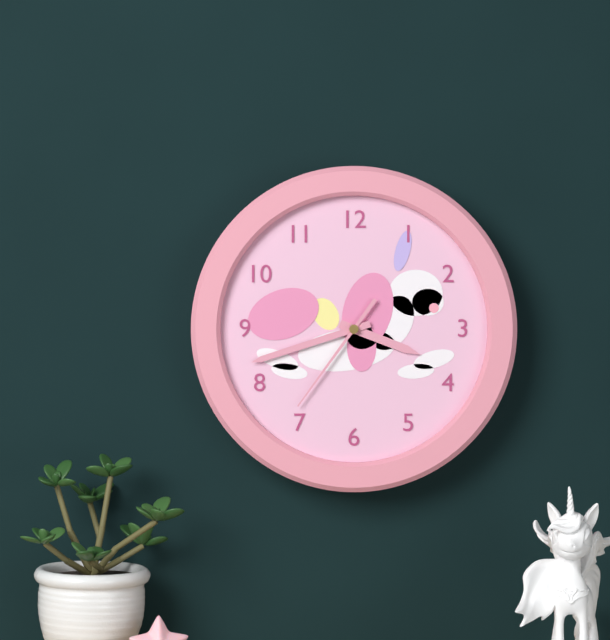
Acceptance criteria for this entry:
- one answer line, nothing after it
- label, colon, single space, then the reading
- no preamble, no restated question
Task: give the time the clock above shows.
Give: 3:42:36
